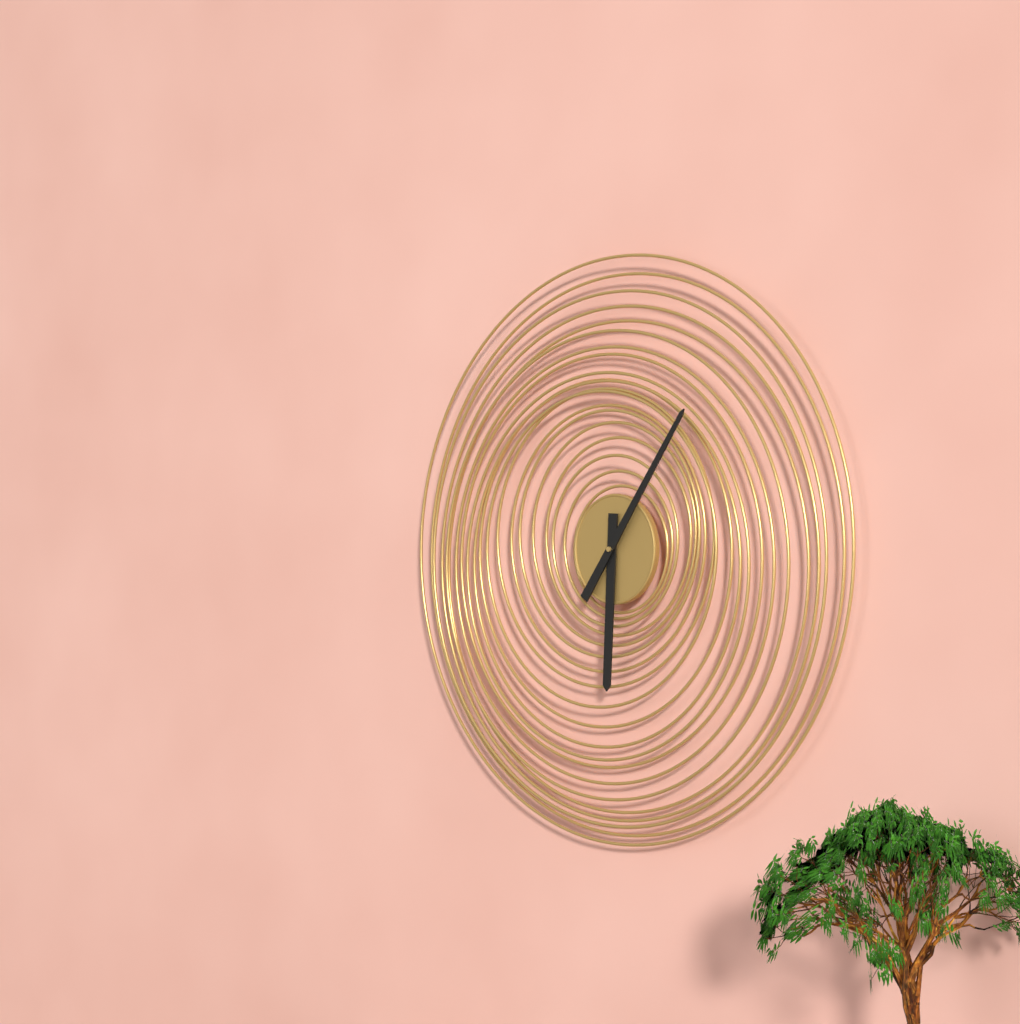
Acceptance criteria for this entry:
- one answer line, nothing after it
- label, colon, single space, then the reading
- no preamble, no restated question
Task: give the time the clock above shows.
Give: 6:06
